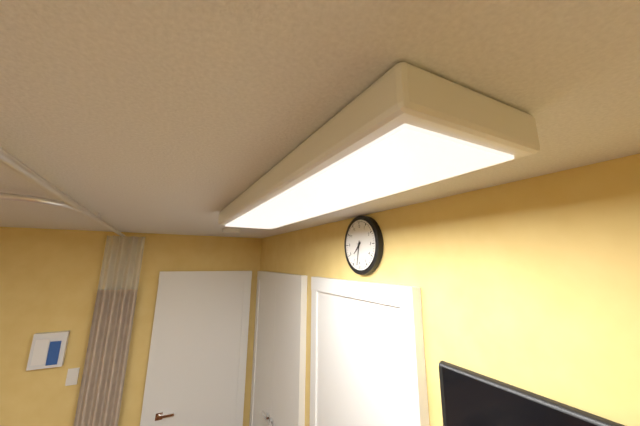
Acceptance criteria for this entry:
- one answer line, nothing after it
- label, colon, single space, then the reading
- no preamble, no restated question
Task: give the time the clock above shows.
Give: 7:32
